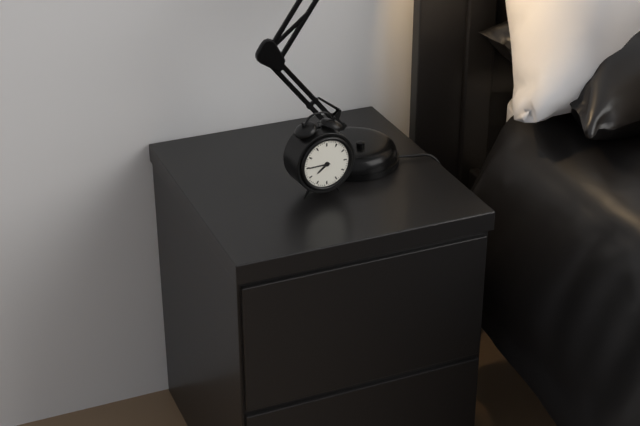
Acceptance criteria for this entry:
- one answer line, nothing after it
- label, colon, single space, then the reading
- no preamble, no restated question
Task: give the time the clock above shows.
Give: 7:45
